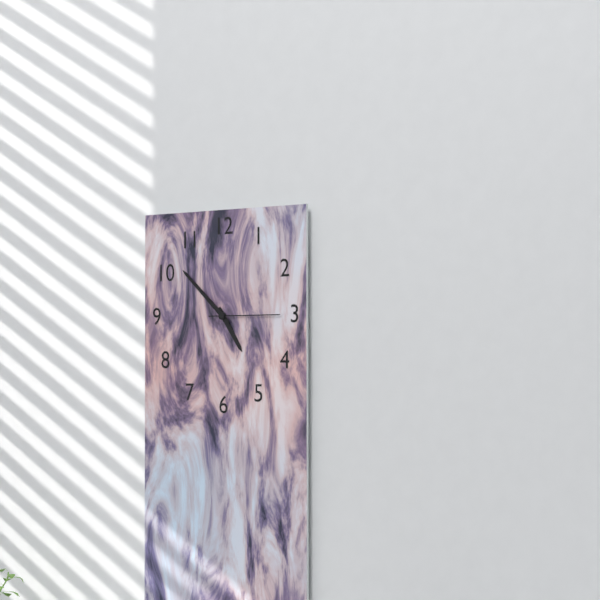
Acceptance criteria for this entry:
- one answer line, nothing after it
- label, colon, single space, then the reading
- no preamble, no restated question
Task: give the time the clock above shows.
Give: 4:52:15
